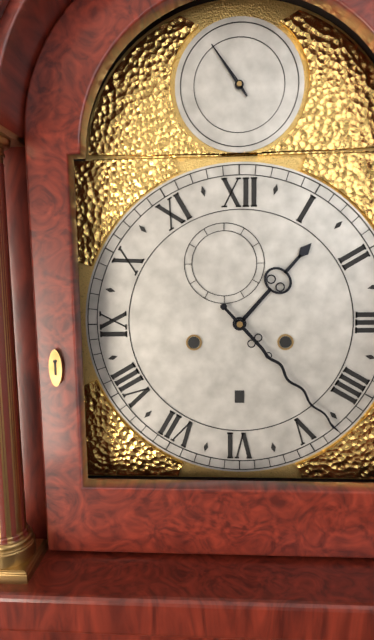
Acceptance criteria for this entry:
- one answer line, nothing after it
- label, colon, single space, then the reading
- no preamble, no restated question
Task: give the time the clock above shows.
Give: 1:23
